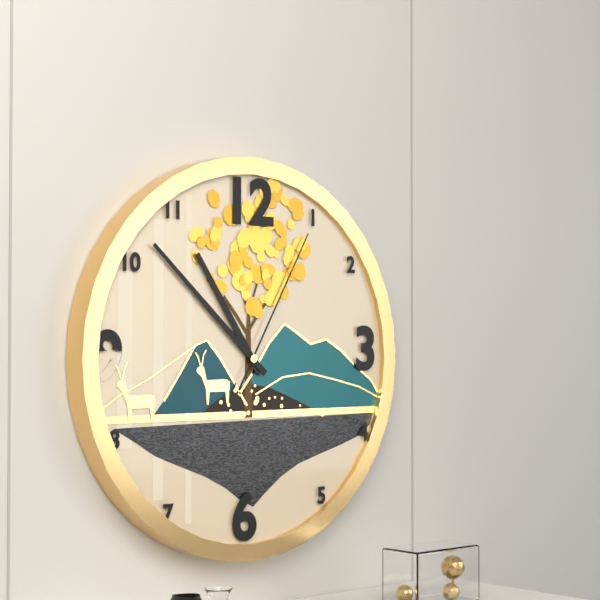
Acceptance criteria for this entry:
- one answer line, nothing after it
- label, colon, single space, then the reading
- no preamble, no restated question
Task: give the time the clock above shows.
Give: 10:52:05
